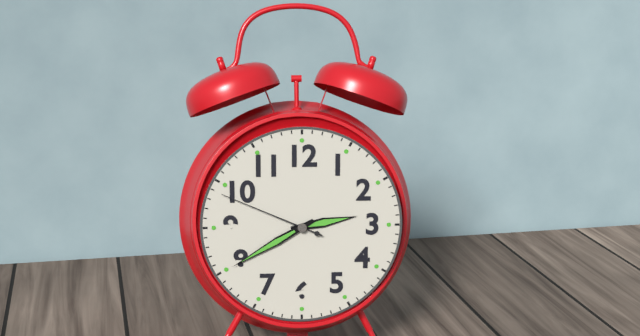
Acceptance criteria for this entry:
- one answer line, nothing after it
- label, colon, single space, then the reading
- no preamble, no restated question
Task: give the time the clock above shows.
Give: 2:40:49
